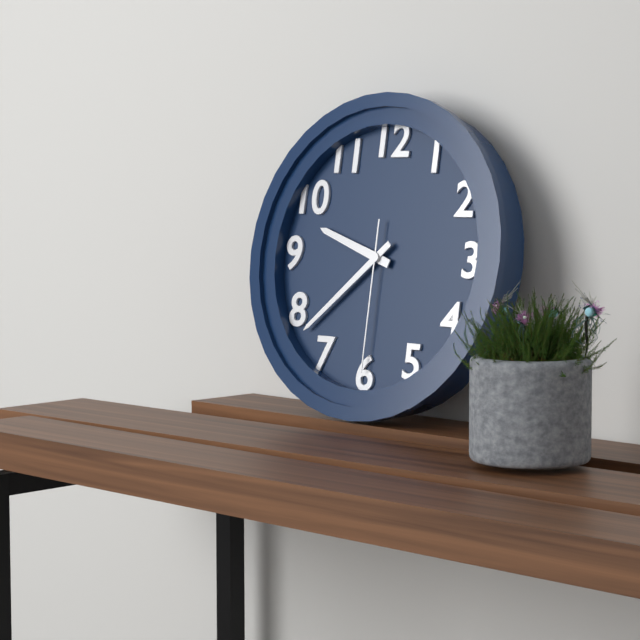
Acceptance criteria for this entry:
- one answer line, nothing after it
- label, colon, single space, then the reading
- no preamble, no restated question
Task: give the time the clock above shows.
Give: 9:38:30
